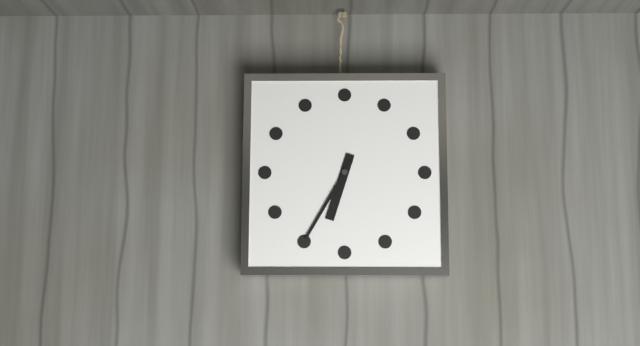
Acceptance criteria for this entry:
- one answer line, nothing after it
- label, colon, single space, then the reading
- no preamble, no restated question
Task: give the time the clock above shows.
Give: 6:35
